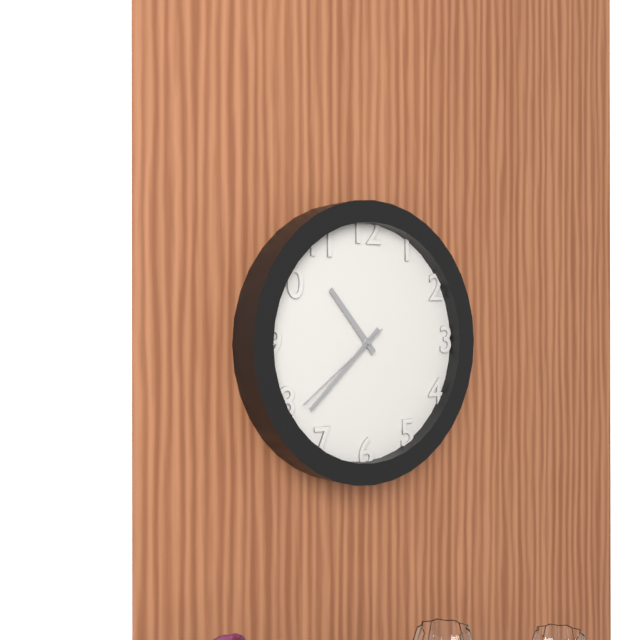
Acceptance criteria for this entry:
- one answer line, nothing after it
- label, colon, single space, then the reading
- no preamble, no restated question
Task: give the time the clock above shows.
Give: 10:38:39
